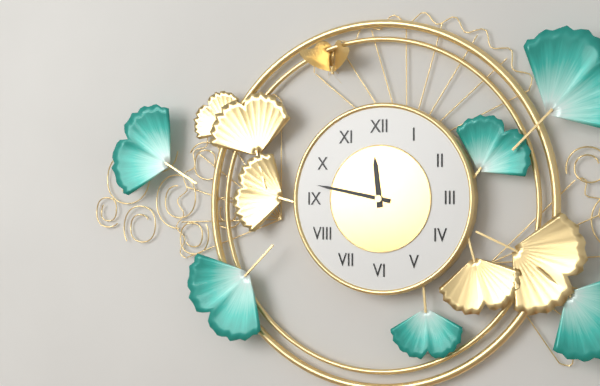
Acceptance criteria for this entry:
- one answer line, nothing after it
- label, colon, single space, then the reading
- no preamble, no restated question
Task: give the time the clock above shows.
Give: 11:47
